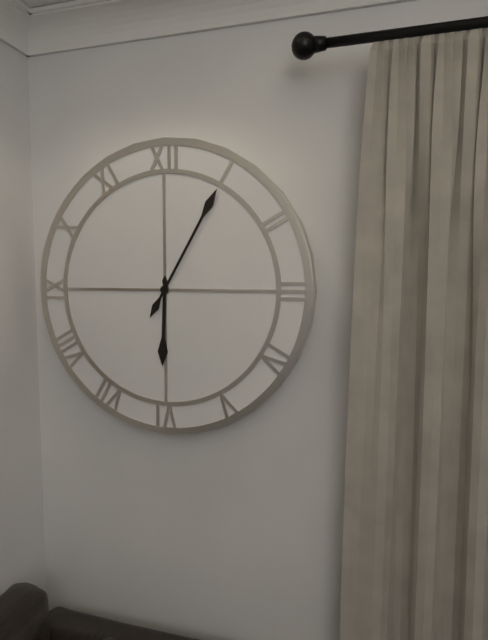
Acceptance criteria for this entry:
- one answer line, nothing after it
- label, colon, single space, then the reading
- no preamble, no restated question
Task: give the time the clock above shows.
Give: 6:05
